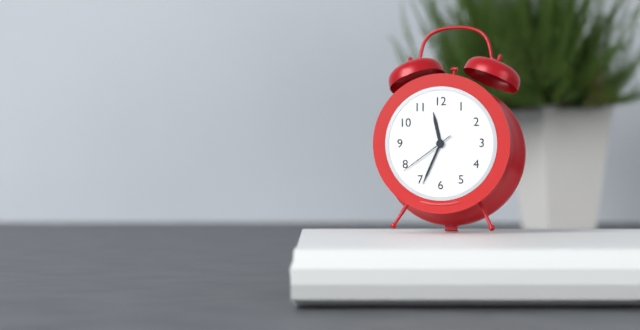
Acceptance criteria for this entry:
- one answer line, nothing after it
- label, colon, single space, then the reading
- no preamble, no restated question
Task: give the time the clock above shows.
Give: 11:34:39
